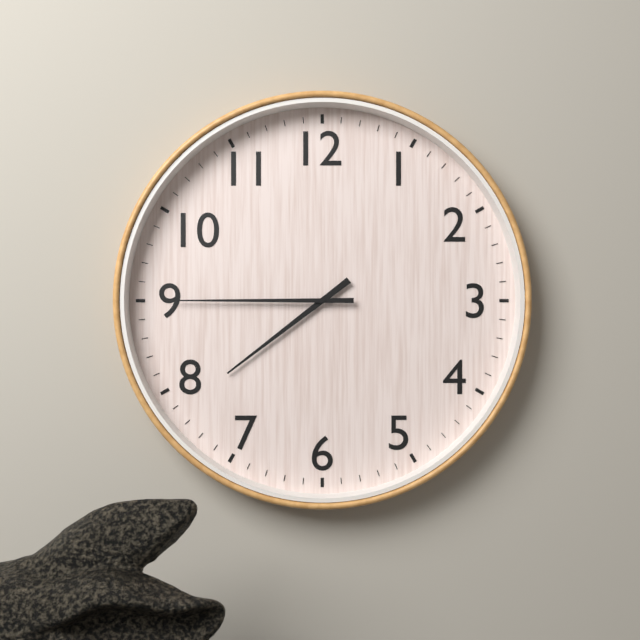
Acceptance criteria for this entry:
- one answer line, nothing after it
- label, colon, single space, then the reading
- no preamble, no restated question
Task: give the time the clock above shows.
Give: 7:45
